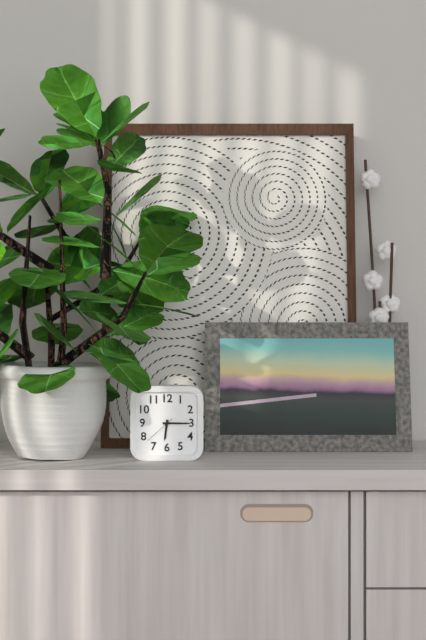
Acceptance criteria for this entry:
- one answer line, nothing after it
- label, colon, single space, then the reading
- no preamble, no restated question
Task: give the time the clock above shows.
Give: 6:15
